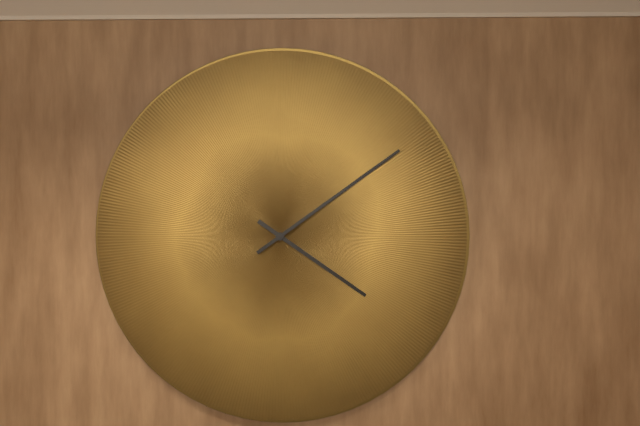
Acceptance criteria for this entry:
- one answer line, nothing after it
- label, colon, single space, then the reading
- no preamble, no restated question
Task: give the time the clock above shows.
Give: 4:09
